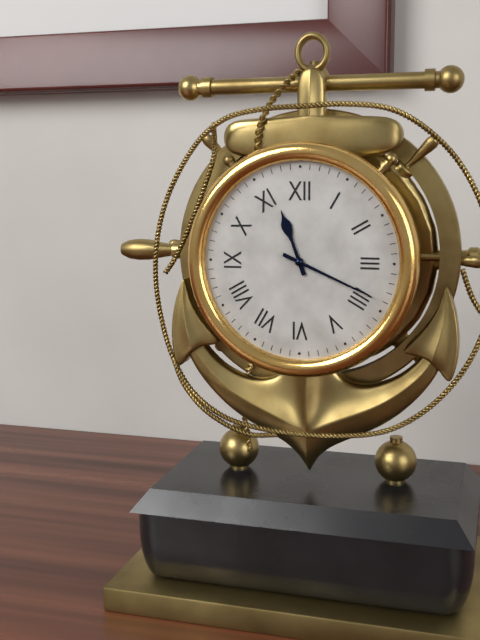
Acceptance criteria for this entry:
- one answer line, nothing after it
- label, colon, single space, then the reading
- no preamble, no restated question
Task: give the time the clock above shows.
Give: 11:19
